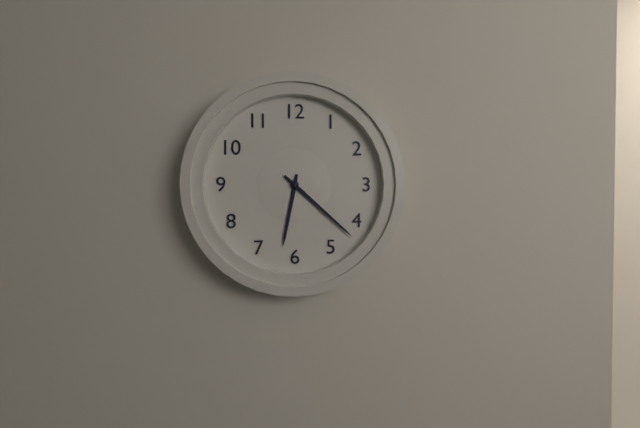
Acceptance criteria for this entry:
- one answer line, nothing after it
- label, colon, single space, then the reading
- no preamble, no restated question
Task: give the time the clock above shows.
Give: 6:22
